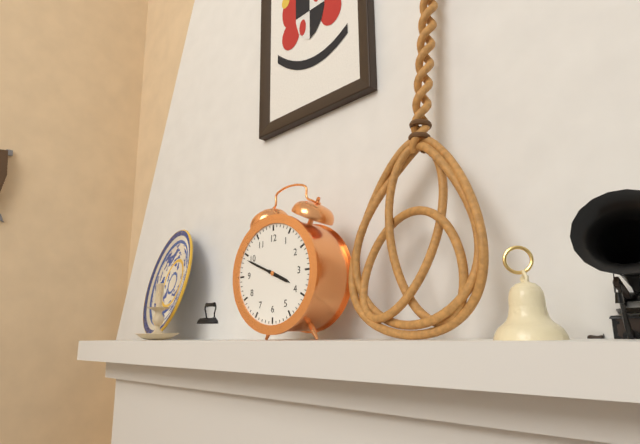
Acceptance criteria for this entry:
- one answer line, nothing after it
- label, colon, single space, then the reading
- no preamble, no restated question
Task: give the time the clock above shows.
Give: 3:49
